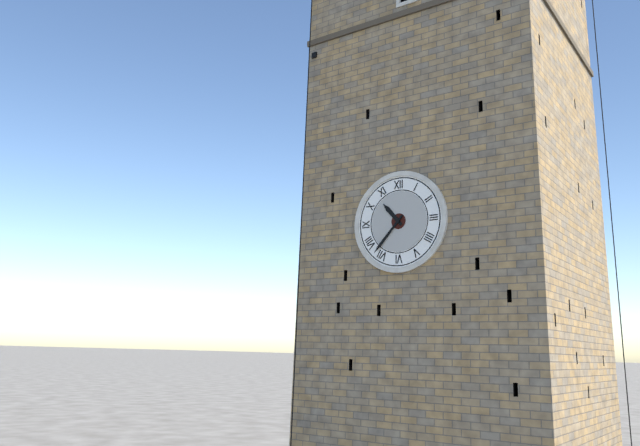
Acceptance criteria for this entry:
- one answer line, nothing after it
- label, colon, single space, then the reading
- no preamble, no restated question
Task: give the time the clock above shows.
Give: 10:37
